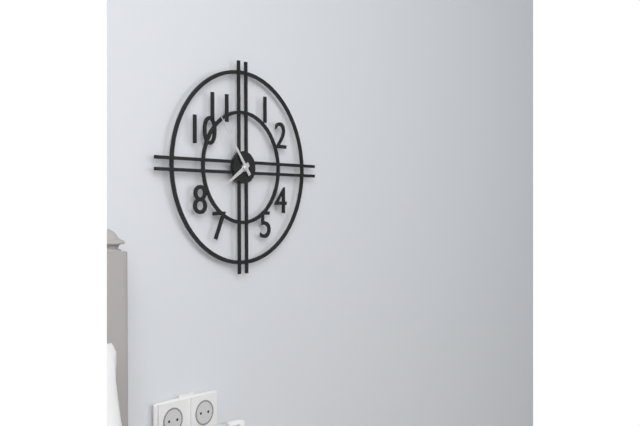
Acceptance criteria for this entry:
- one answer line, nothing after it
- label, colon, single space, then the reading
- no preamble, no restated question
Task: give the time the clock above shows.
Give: 7:54
